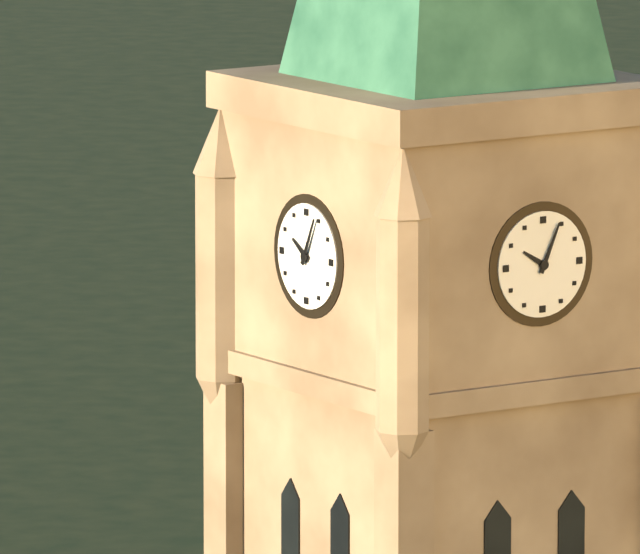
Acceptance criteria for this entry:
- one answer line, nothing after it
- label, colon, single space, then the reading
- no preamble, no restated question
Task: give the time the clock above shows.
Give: 10:04
